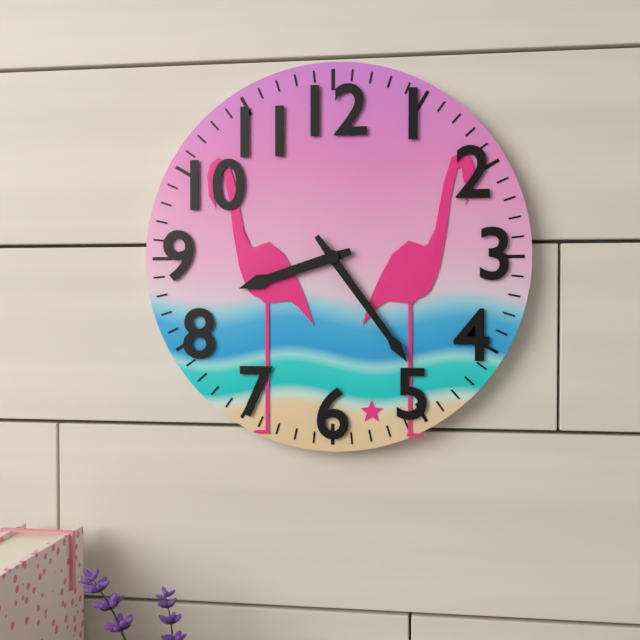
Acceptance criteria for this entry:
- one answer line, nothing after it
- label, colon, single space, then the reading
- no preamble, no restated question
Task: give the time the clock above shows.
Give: 8:24
